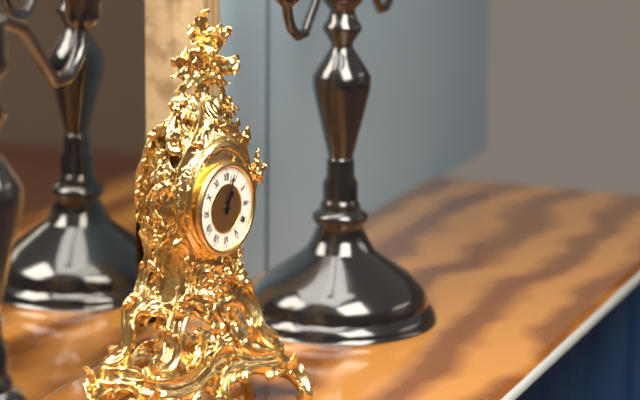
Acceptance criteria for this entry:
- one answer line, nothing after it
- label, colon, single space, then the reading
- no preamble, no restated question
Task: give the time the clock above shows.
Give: 1:03
